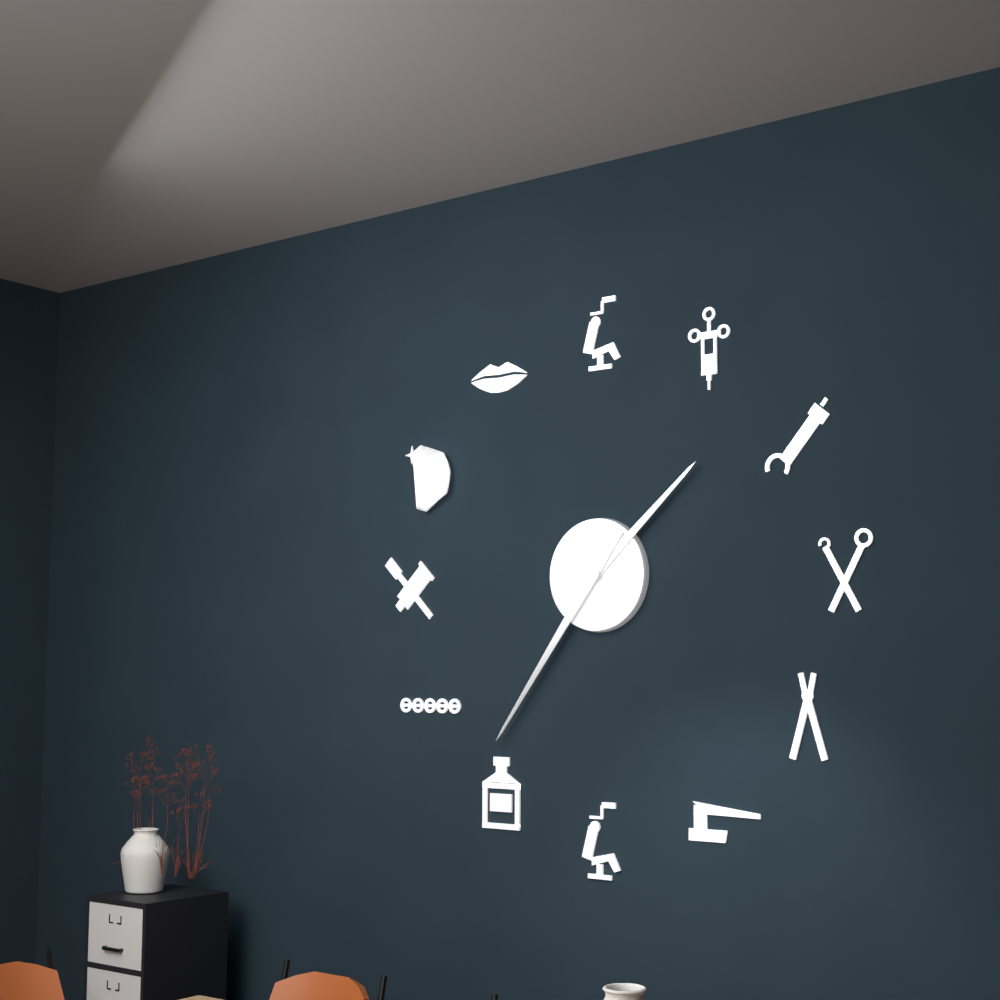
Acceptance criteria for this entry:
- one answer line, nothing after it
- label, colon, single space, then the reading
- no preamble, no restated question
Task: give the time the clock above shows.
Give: 1:36
